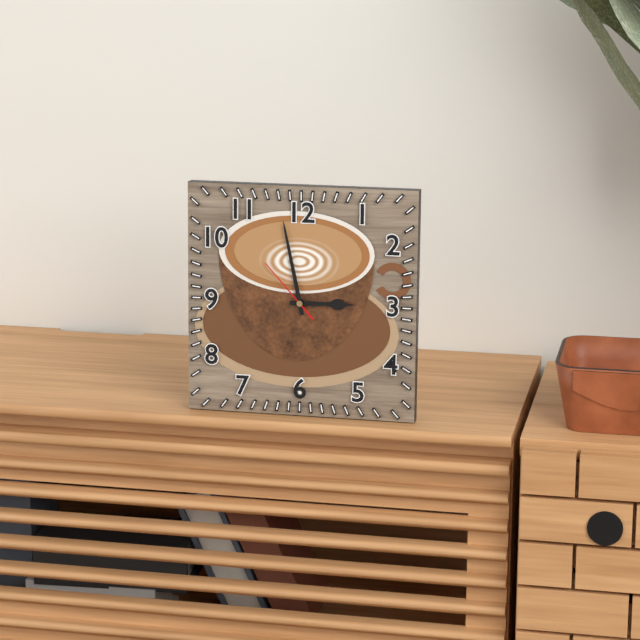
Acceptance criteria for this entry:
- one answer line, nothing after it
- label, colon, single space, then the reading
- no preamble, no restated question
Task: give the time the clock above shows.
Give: 2:58:53
